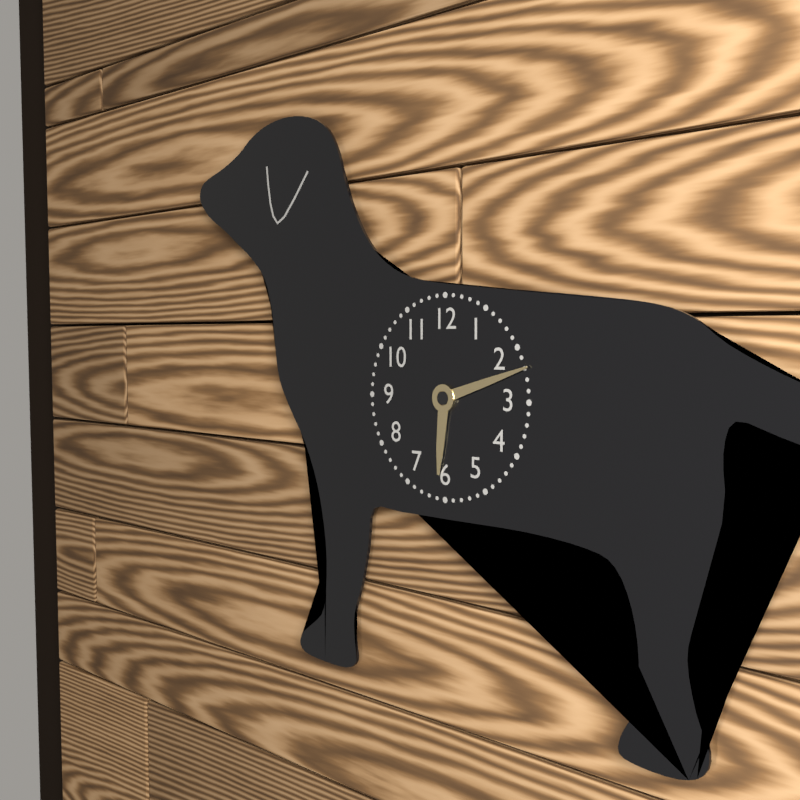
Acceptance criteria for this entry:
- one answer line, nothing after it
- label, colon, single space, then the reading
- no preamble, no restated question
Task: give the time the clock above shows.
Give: 6:12
